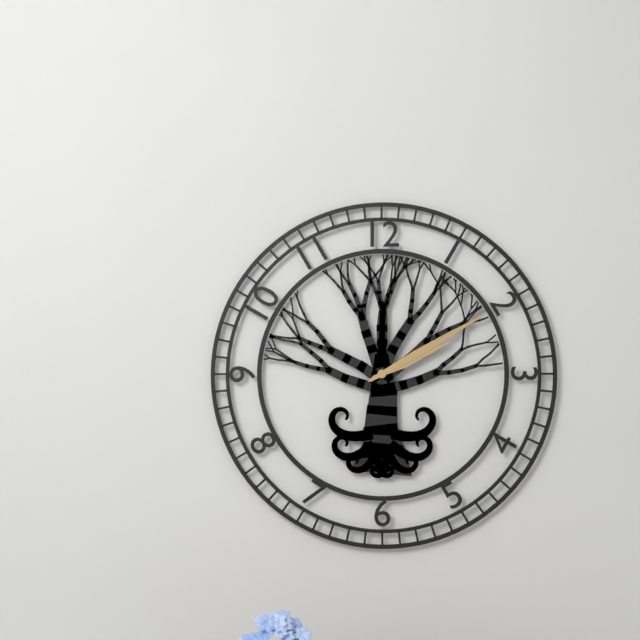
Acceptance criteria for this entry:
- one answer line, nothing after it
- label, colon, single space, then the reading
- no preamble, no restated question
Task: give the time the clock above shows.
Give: 2:10
